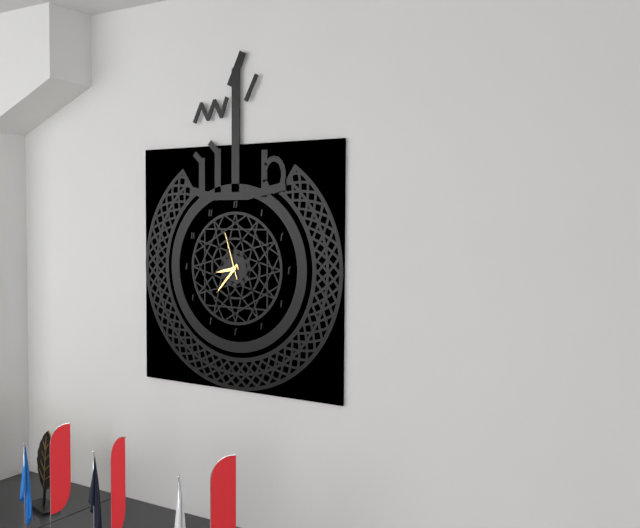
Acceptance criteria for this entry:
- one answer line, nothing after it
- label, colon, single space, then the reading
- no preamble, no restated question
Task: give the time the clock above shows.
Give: 8:37
